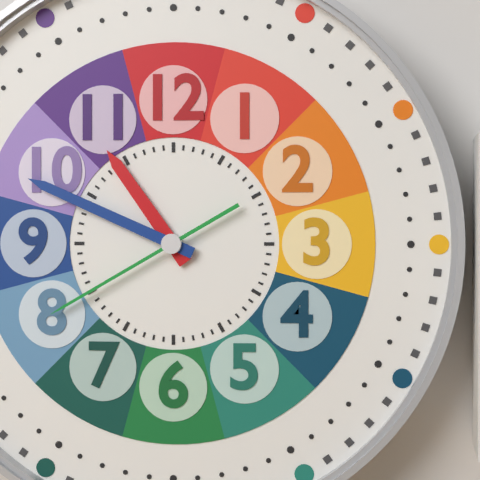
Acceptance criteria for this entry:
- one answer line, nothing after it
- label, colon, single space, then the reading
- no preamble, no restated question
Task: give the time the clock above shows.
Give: 10:49:40
